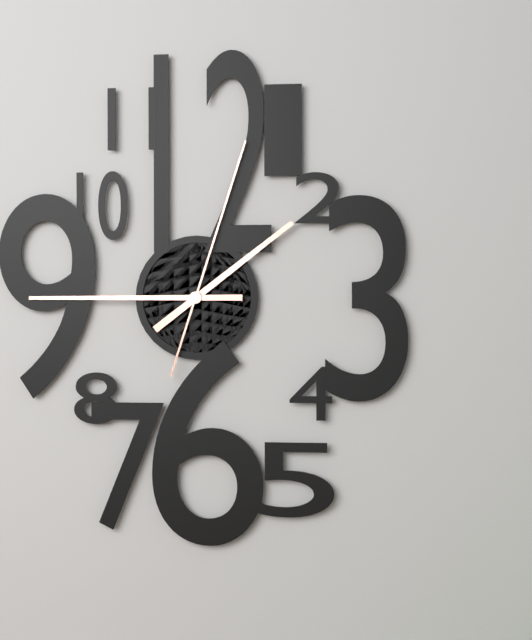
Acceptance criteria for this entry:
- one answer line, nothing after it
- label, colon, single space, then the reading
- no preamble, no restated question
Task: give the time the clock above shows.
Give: 1:45:03
